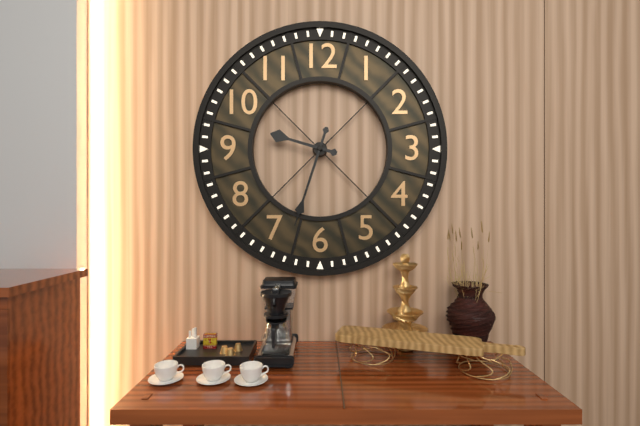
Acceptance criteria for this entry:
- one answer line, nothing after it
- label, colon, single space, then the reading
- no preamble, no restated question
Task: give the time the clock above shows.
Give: 9:33
